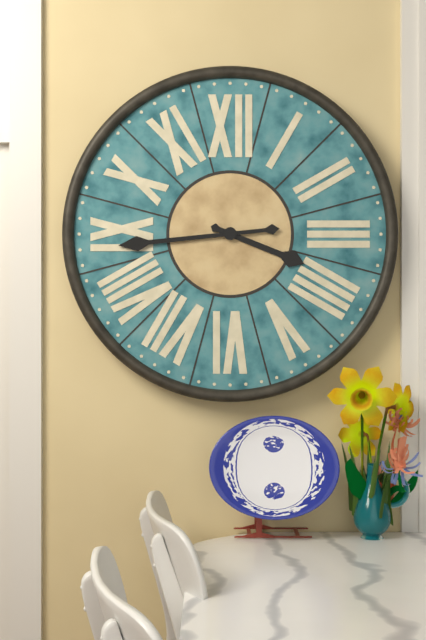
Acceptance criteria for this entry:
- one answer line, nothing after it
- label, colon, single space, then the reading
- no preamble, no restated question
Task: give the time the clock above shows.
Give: 3:44
